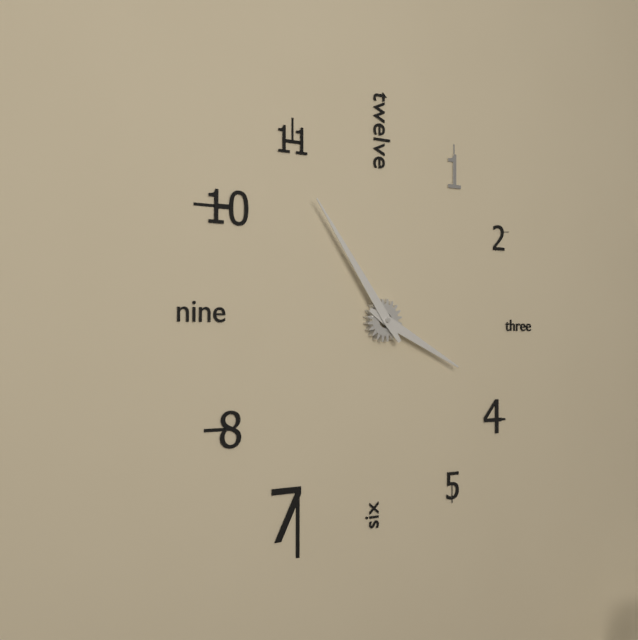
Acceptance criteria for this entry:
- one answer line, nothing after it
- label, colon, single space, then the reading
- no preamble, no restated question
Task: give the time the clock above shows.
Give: 3:54
